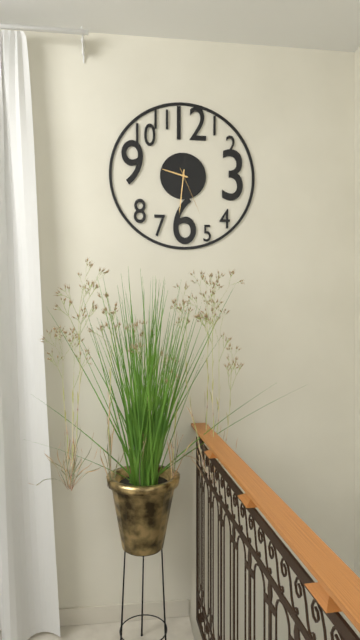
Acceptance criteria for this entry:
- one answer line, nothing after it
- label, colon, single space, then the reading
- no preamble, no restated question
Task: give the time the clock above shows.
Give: 9:31:26
